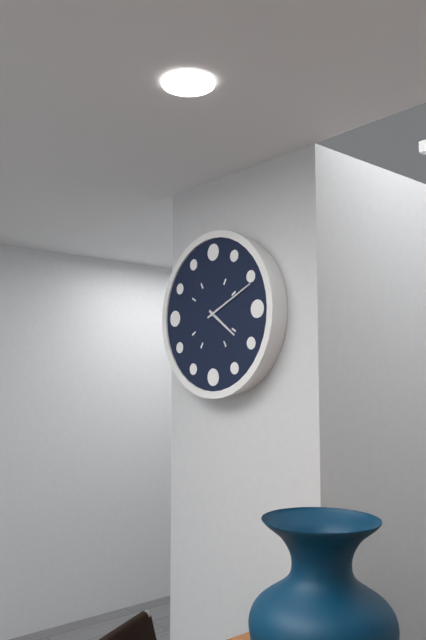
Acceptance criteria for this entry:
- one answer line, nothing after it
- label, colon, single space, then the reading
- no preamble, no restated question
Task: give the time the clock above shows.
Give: 4:11
